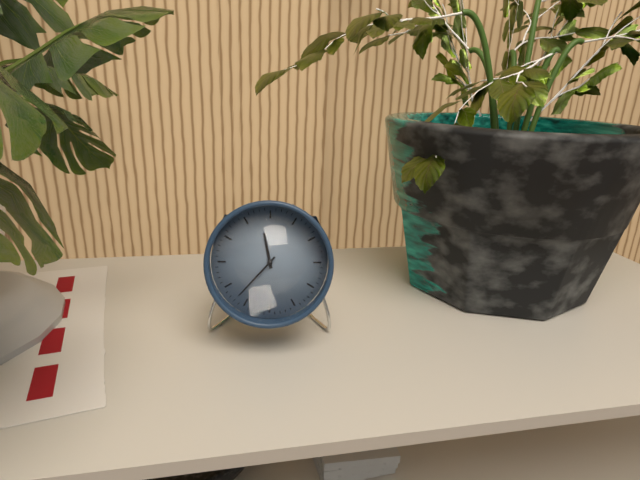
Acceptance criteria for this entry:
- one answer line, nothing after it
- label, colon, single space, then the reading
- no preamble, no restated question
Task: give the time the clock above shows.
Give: 11:37
